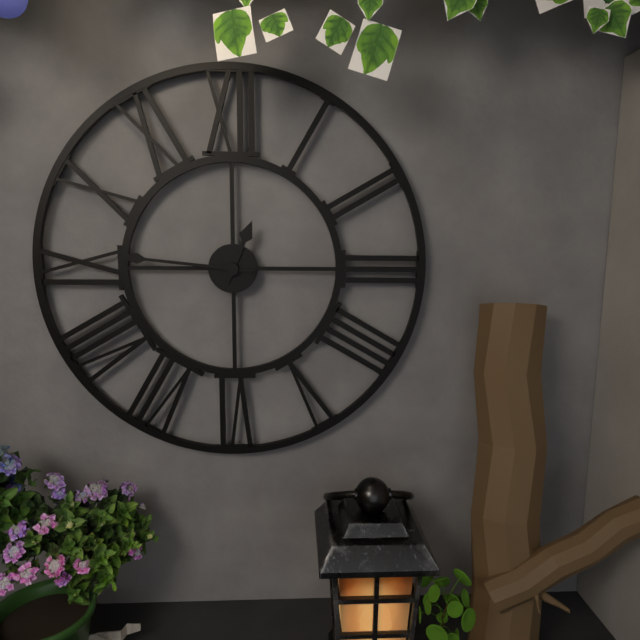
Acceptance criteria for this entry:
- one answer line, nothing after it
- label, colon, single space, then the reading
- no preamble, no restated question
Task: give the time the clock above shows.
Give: 12:46
